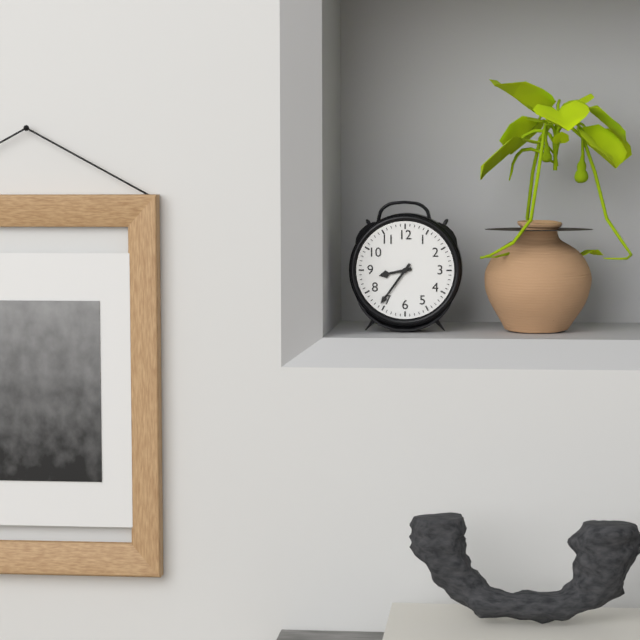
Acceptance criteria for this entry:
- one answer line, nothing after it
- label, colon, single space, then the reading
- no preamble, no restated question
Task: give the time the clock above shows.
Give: 8:36
